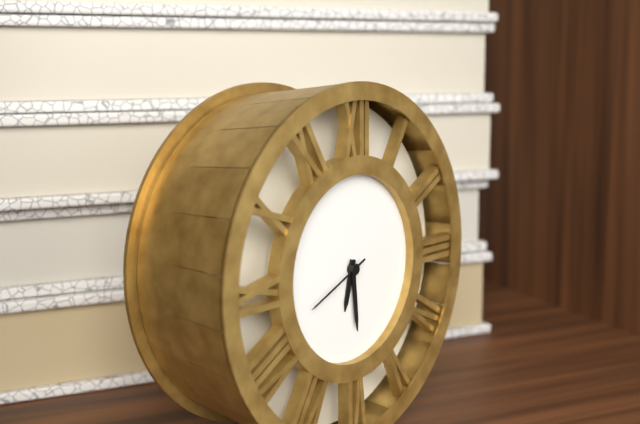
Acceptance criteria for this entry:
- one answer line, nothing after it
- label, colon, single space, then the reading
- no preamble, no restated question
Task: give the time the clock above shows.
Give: 6:29:41
